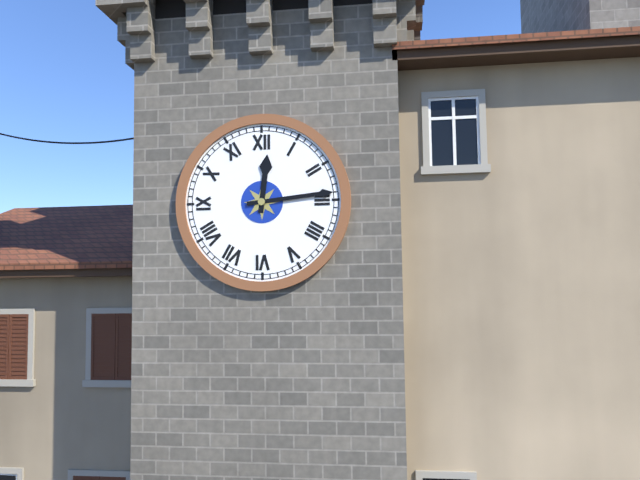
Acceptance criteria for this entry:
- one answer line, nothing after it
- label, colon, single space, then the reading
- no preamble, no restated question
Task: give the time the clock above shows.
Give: 12:14
